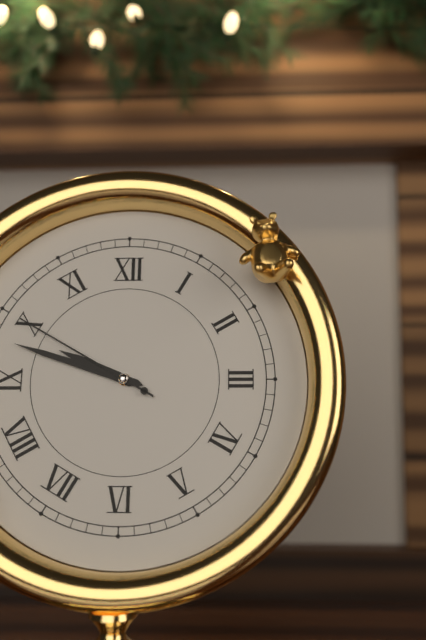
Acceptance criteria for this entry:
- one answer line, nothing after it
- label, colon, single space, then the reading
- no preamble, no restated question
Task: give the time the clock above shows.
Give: 9:48:50
